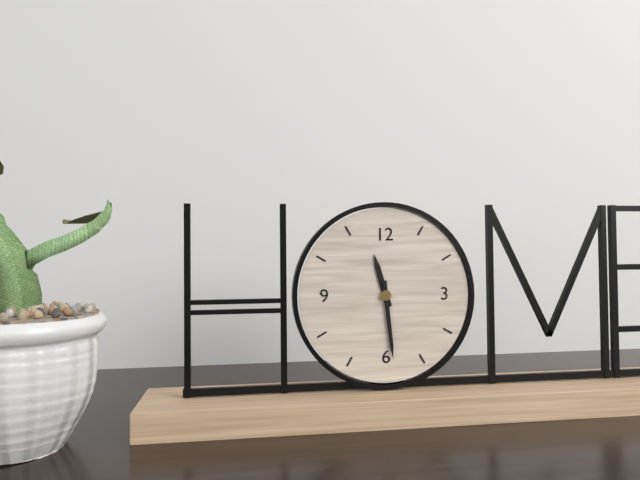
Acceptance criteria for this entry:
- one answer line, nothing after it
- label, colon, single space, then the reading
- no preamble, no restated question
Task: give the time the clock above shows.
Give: 11:29
